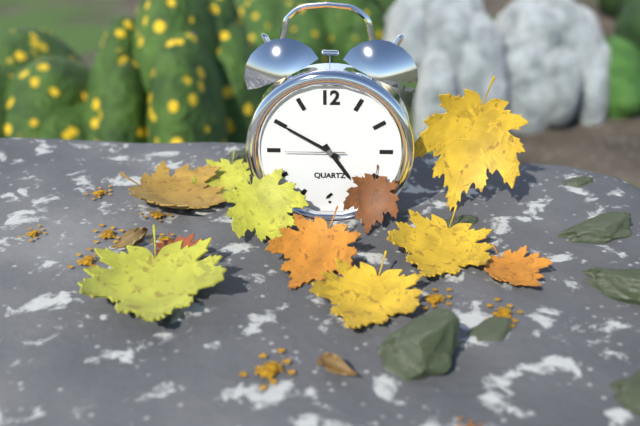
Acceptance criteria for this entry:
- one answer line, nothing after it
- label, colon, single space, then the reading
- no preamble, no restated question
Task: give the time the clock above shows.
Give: 4:50:45
